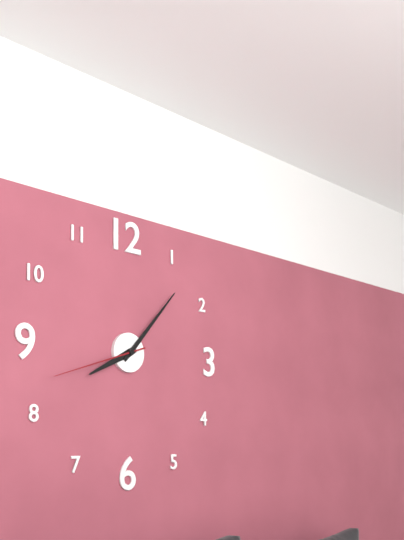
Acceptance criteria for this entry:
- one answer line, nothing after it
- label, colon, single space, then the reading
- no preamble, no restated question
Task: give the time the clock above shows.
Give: 8:07:42
